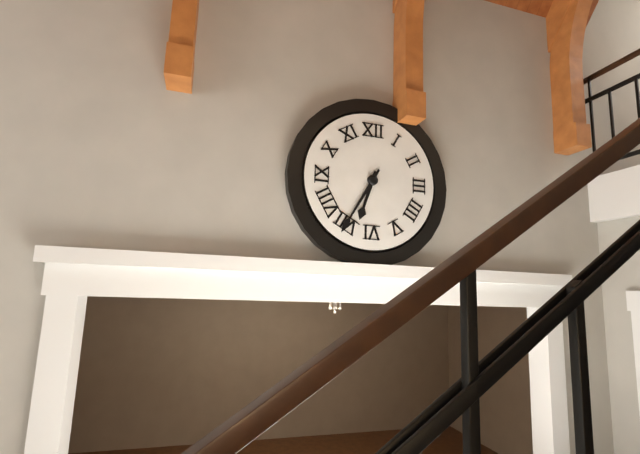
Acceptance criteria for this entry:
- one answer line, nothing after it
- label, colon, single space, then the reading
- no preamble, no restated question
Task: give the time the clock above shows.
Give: 6:35
